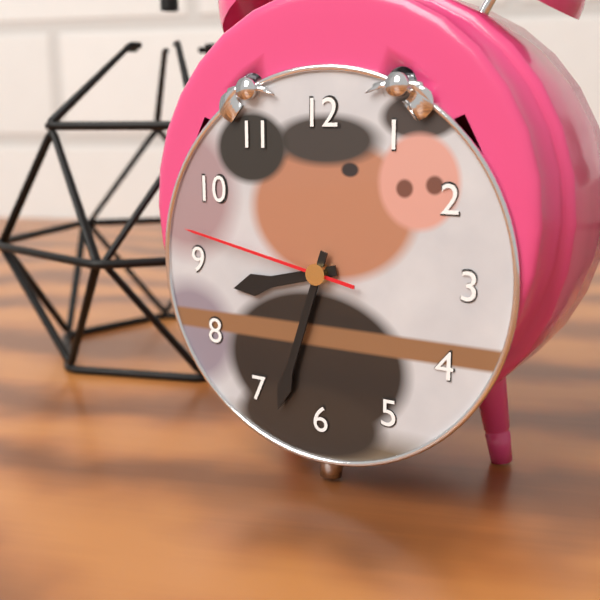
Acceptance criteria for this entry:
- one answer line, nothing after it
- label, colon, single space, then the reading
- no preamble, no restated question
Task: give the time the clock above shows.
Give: 8:33:47
